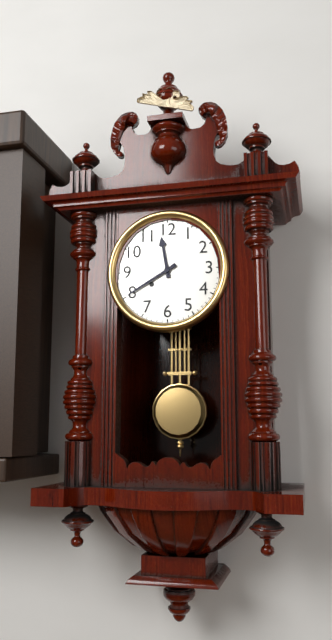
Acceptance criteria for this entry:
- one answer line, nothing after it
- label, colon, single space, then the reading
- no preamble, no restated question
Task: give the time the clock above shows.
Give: 11:40
